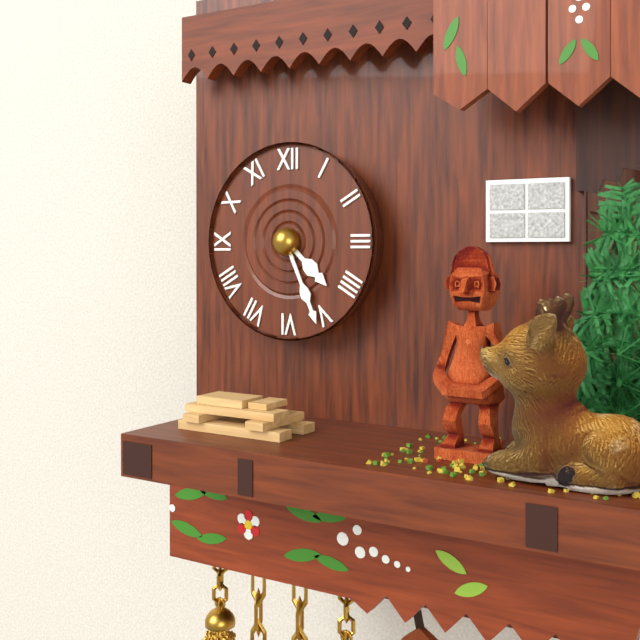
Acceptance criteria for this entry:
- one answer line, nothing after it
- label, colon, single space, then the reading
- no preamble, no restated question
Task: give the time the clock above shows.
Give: 4:26
